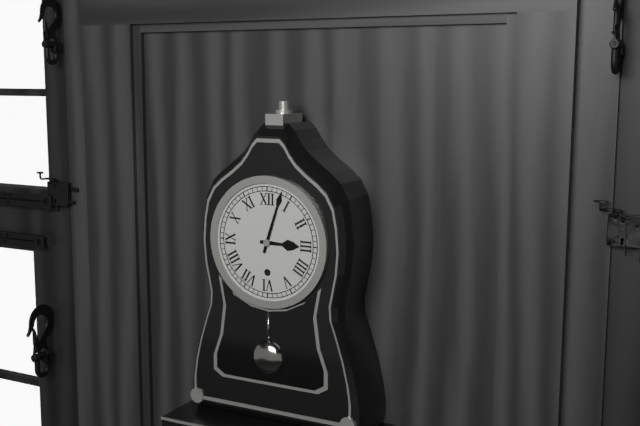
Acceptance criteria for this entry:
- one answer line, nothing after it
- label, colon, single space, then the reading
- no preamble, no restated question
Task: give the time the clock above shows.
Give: 3:03
